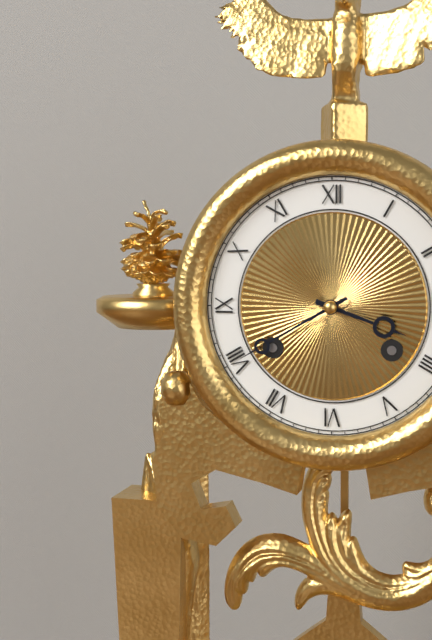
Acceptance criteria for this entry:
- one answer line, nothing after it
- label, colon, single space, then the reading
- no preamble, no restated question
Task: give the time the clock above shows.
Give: 3:40
